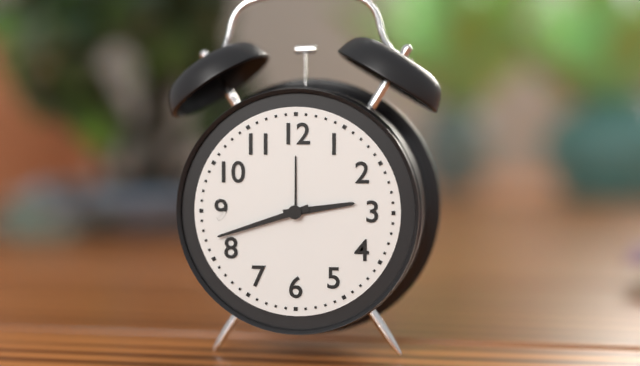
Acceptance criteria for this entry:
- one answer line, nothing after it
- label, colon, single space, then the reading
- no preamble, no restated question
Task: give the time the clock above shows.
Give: 2:42
